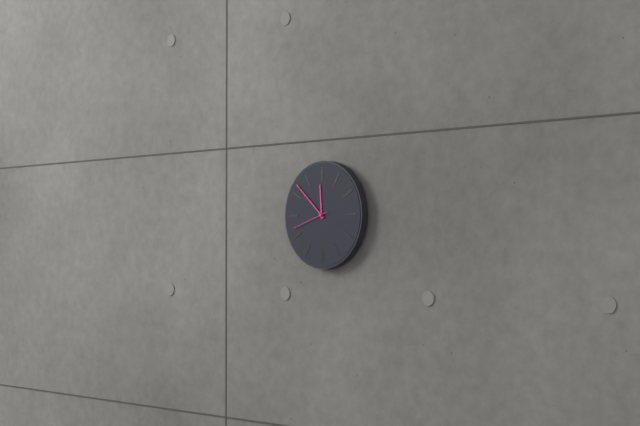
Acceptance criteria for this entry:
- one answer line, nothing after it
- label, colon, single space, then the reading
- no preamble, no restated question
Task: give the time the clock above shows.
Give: 11:52
